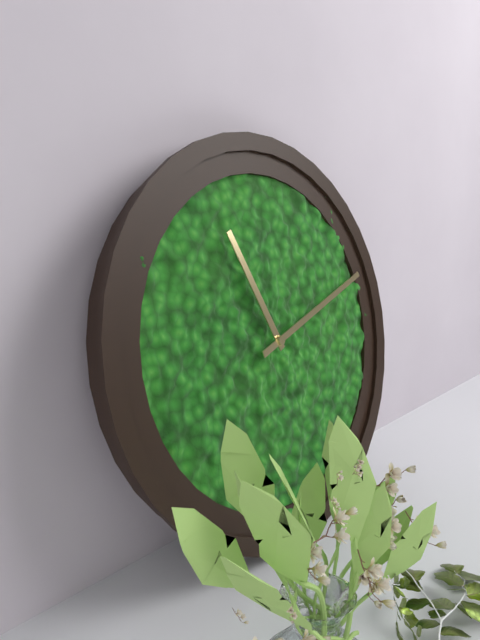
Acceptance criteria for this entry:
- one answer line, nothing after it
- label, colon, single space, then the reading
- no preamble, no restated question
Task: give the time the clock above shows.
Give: 11:12
